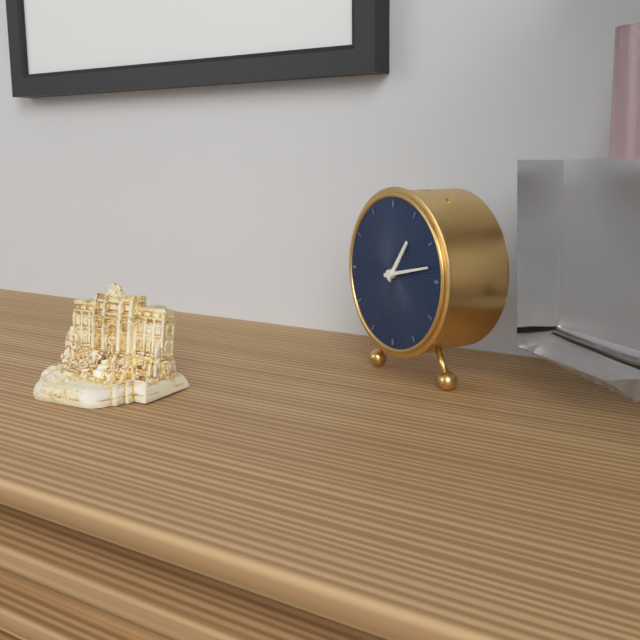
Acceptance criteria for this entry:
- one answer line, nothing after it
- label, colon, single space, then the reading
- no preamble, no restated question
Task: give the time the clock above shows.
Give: 1:13
